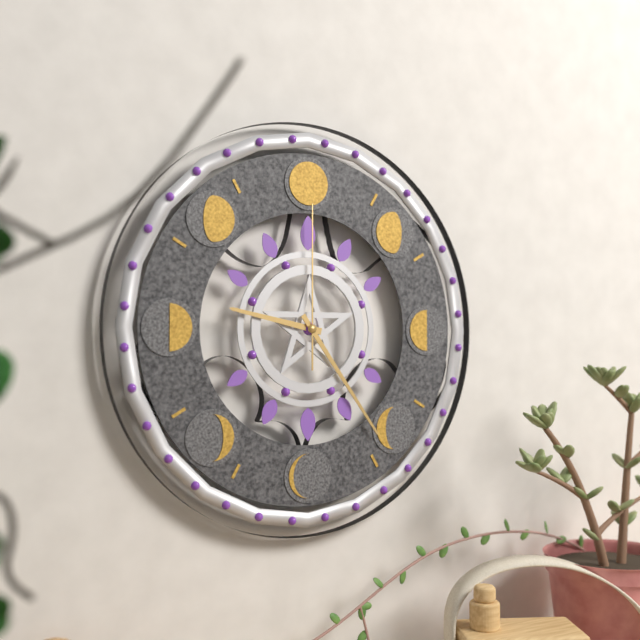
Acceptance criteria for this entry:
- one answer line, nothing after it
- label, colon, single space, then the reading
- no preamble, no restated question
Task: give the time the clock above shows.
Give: 9:24:00
